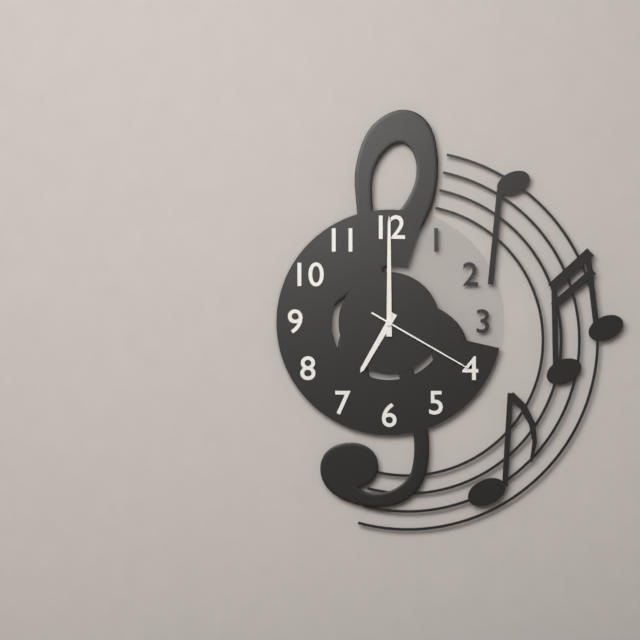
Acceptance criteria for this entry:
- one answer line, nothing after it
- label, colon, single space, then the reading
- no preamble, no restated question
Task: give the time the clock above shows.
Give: 7:00:20
